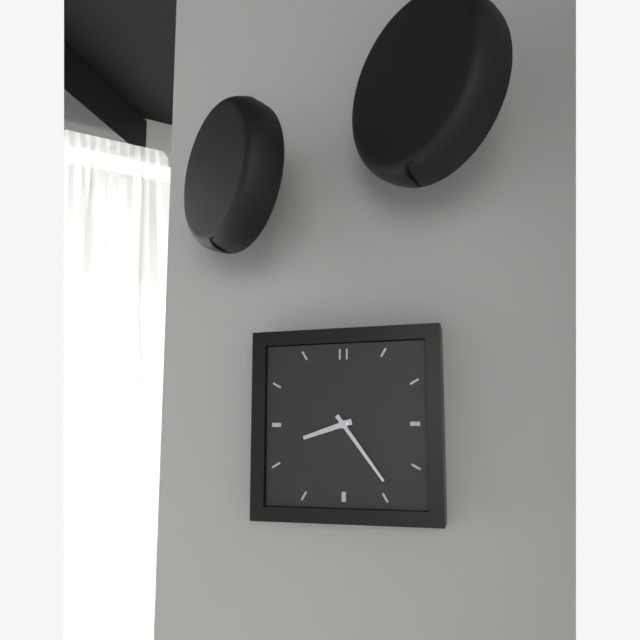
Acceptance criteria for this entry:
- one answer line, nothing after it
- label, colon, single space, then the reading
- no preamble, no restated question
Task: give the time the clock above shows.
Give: 8:24
